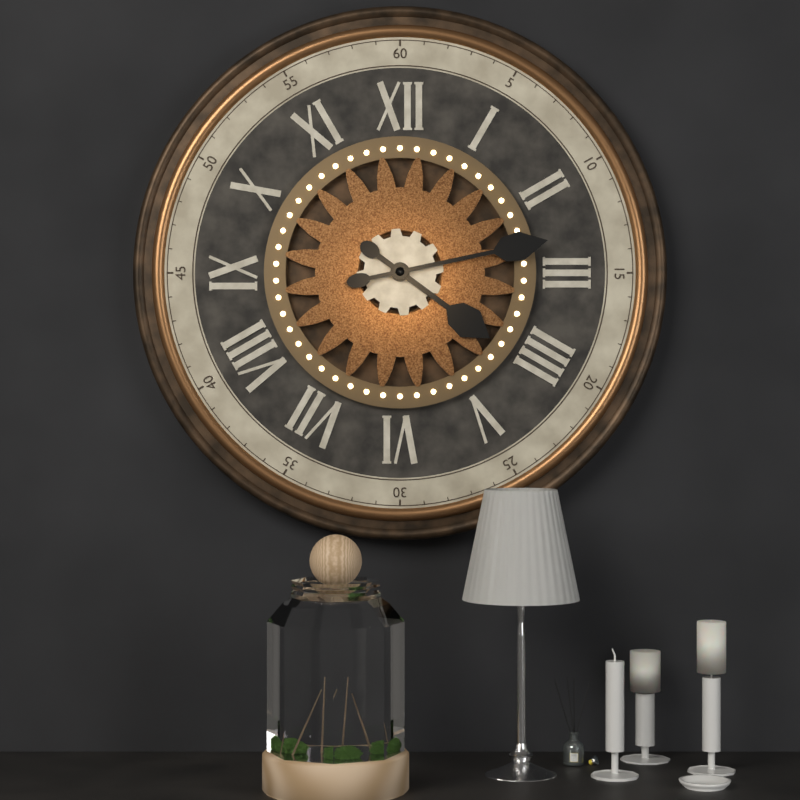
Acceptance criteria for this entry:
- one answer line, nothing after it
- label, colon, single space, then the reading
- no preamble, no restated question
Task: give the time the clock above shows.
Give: 4:13
